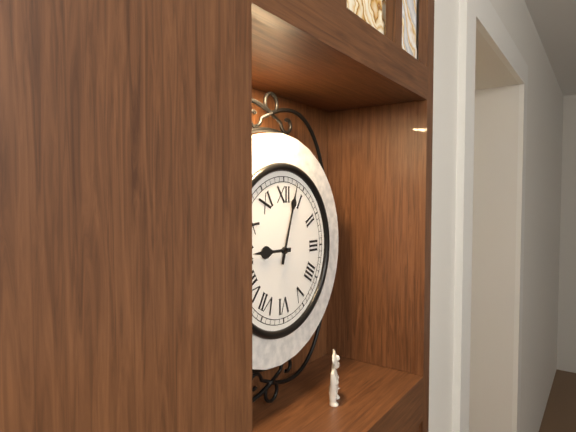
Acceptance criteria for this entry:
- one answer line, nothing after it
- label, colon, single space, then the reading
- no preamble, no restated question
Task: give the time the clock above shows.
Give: 9:03
